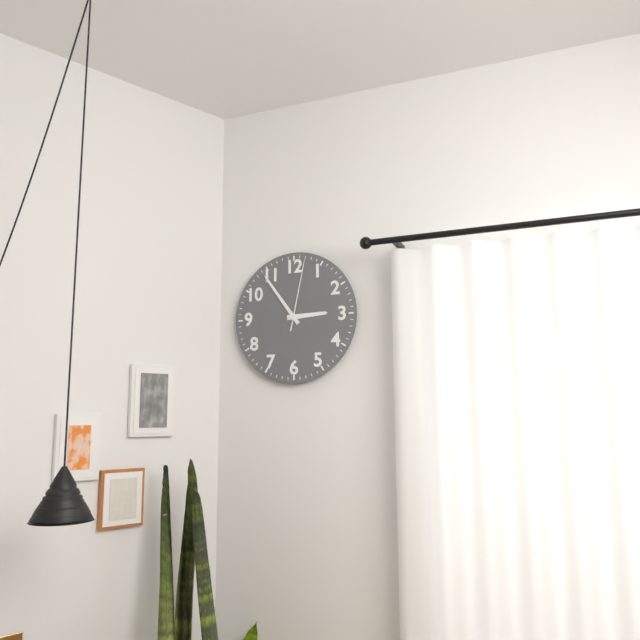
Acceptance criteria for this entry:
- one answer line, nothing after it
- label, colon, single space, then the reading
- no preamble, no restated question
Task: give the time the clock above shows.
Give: 2:54:02
